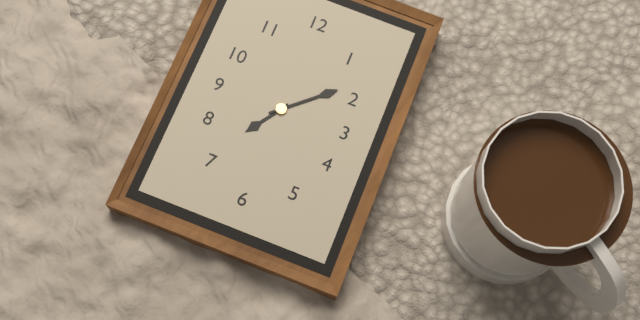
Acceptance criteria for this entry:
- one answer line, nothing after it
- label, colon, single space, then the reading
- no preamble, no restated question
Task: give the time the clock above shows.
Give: 7:08
